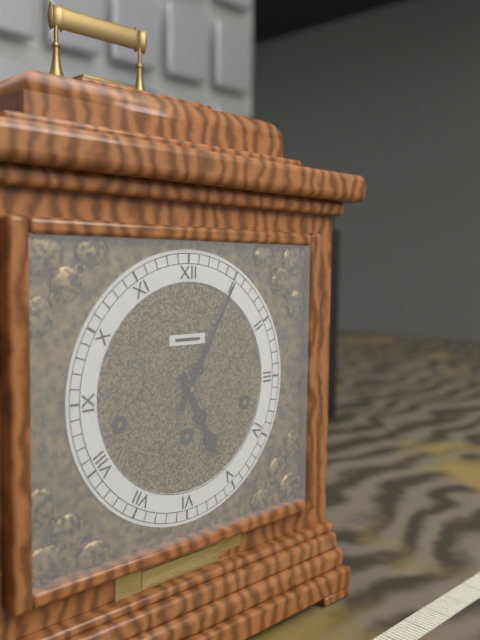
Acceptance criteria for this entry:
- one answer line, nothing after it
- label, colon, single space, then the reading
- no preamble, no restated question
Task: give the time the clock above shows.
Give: 5:05
